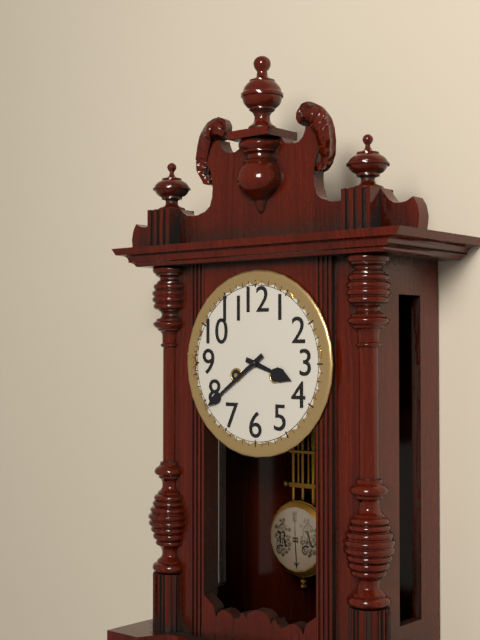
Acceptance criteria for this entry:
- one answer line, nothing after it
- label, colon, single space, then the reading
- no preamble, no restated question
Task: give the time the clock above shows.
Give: 3:39
